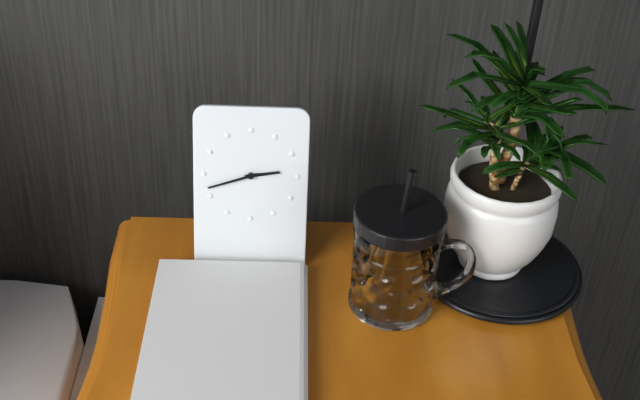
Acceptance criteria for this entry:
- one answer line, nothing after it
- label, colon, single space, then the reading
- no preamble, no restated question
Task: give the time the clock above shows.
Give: 2:42
